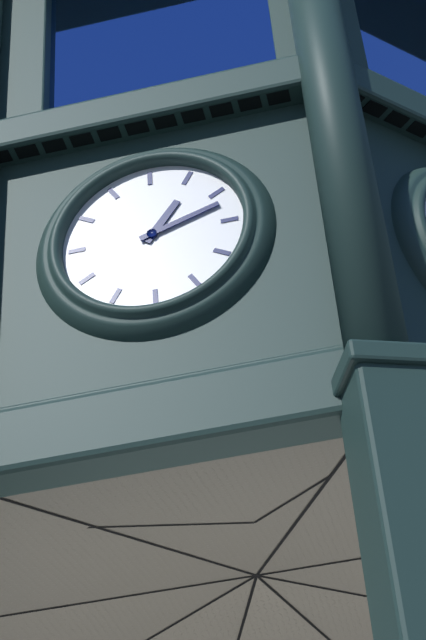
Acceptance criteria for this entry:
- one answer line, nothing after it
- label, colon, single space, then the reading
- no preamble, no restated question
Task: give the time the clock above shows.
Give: 1:12
